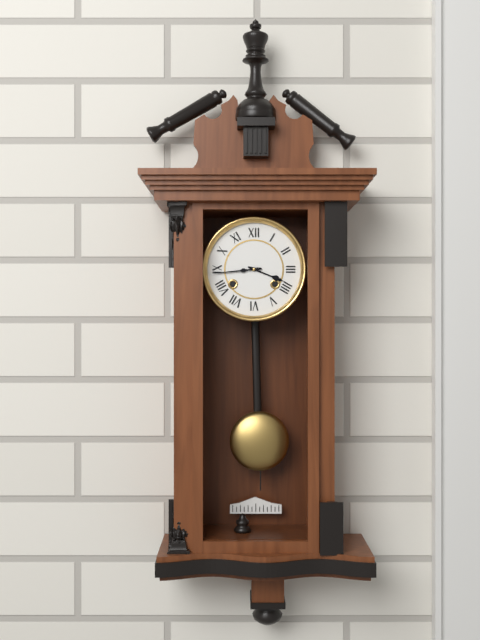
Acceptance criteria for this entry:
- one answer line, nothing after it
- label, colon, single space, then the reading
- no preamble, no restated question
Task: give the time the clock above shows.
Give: 3:44
